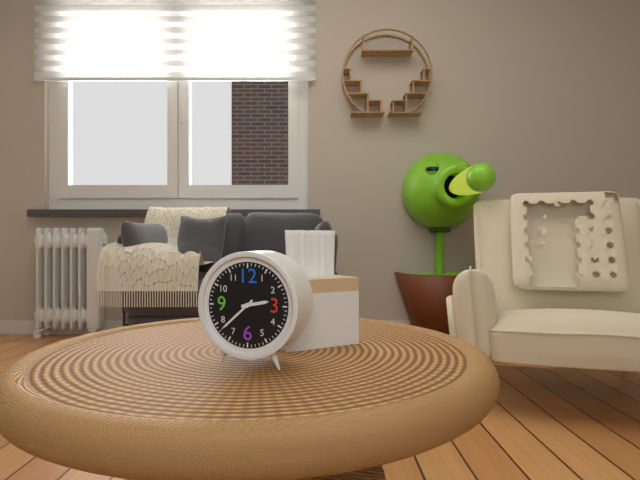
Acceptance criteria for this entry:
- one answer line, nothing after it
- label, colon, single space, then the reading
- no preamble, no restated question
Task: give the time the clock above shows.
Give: 2:38
